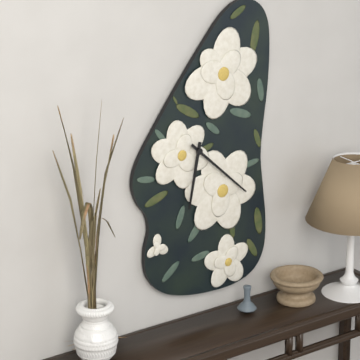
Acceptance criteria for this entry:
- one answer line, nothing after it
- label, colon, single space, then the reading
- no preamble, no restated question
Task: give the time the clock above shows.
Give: 6:22
